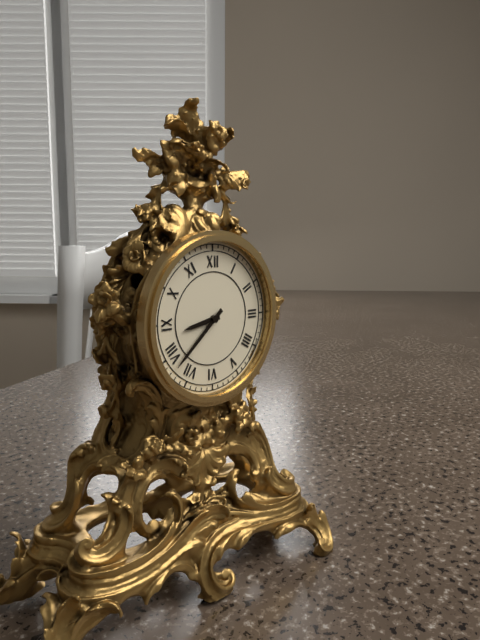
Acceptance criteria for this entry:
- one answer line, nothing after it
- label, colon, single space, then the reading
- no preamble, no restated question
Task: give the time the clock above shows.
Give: 8:38
